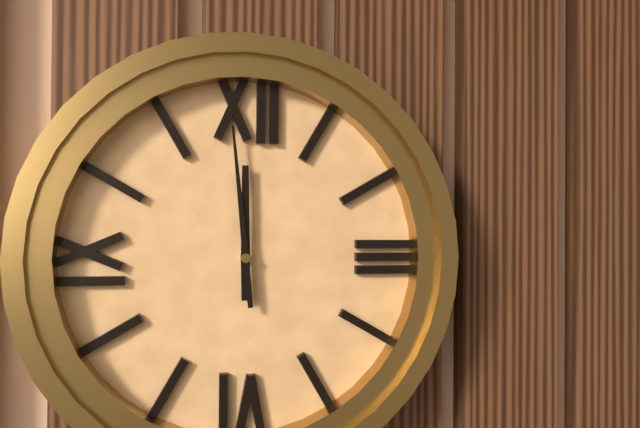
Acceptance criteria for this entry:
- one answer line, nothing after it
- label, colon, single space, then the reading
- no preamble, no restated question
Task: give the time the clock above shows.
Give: 11:59
